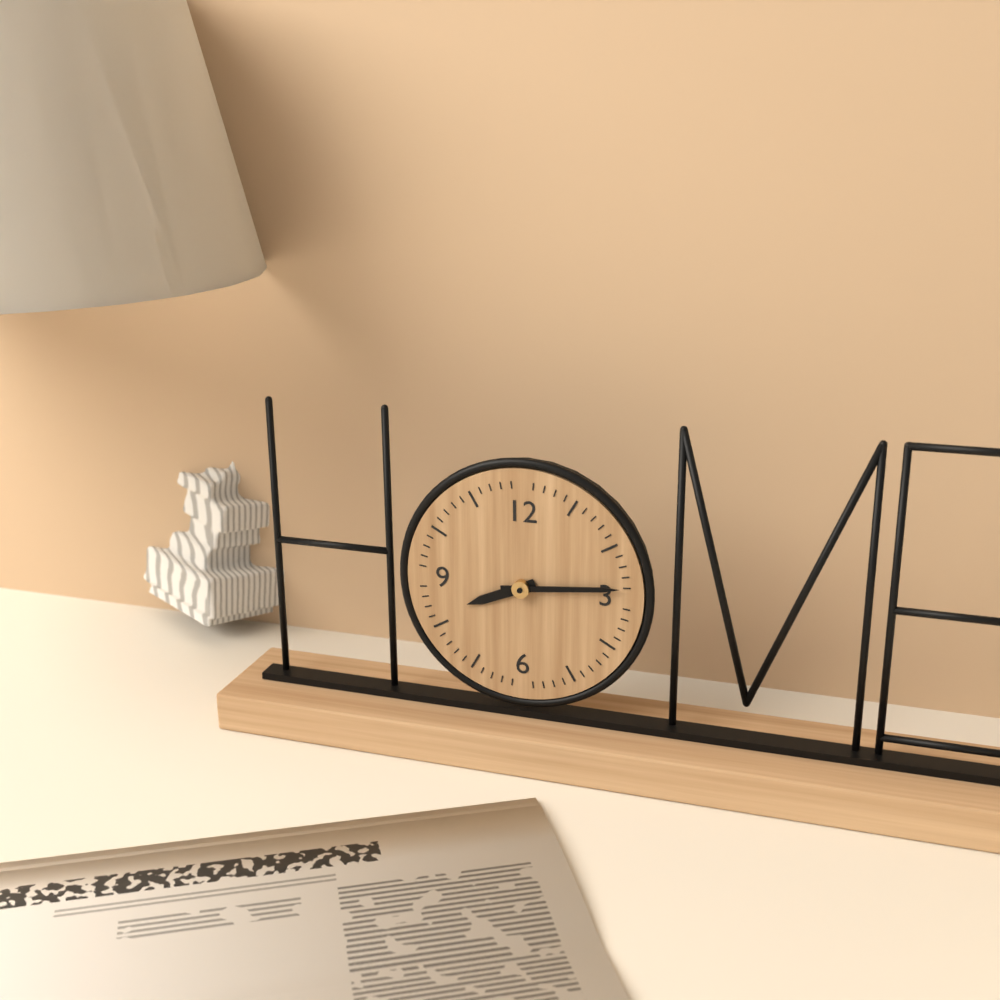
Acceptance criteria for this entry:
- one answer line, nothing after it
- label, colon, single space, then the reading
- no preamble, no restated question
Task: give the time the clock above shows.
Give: 8:14
